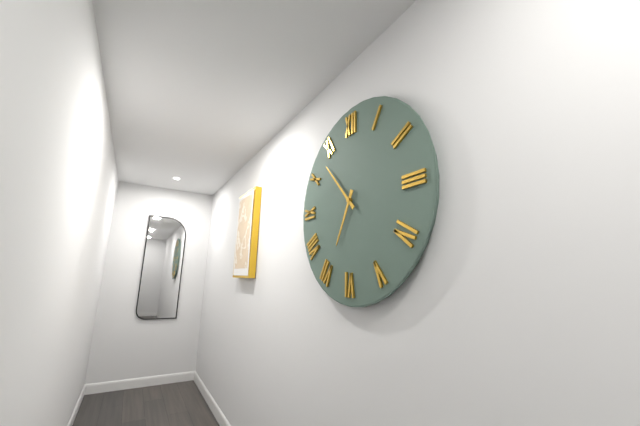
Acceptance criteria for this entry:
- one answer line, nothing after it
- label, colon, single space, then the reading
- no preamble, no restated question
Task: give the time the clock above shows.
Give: 6:53
